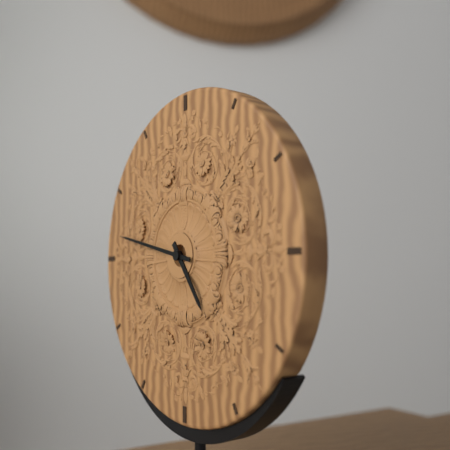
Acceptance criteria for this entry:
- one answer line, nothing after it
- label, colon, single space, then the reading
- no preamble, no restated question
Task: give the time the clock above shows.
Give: 4:47
